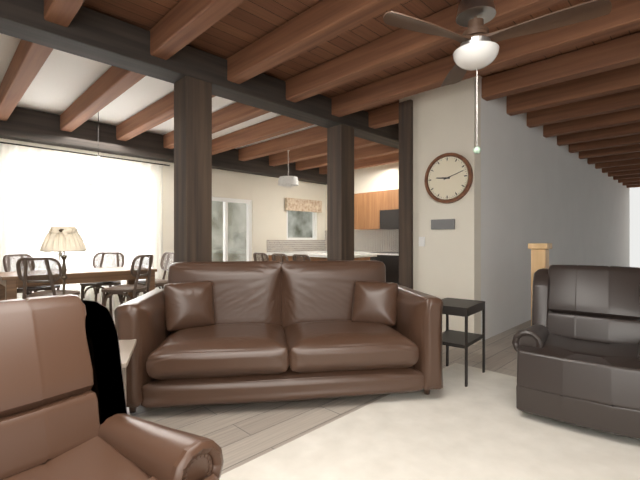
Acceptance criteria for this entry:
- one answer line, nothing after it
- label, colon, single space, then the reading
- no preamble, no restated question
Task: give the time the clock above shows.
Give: 9:12
